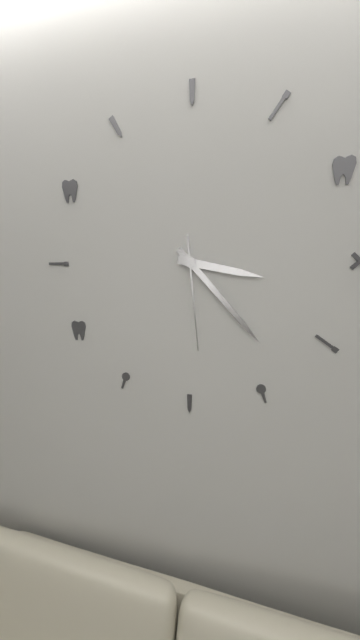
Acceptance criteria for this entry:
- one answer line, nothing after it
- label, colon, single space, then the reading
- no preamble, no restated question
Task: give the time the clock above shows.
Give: 3:23:29
